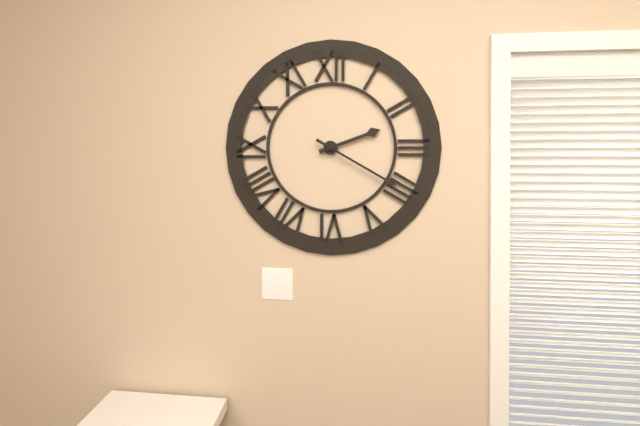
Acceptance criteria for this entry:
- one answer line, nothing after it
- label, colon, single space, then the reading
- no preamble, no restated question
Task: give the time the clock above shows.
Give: 2:20
